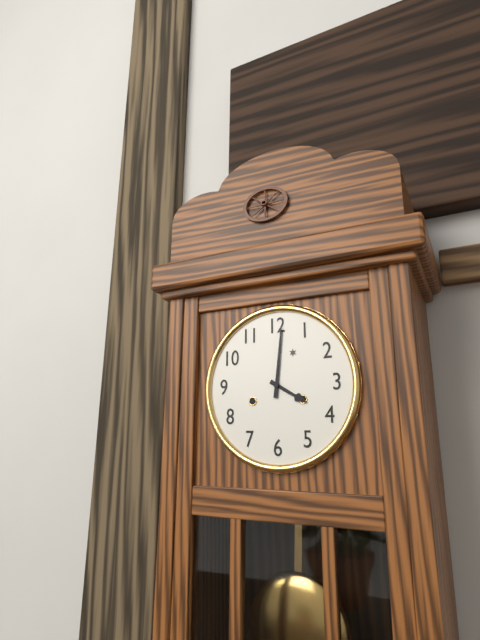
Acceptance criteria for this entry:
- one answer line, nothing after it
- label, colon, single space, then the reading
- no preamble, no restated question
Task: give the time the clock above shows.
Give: 4:01
